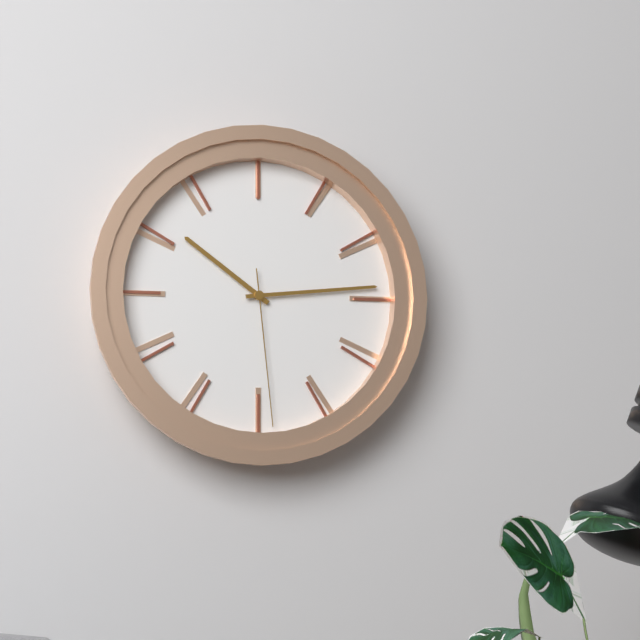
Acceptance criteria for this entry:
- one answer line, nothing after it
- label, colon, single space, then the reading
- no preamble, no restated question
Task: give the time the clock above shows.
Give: 10:14:29
